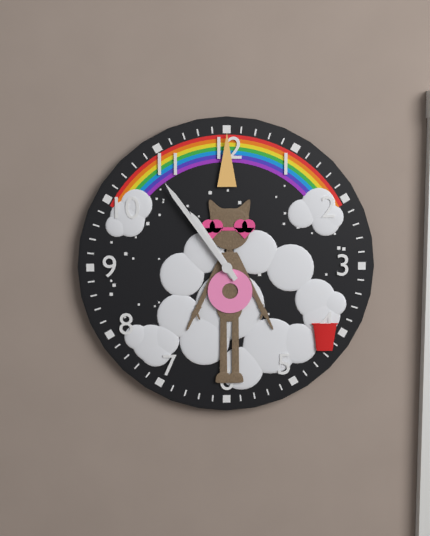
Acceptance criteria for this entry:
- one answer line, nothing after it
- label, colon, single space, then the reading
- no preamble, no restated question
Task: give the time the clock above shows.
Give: 10:54
